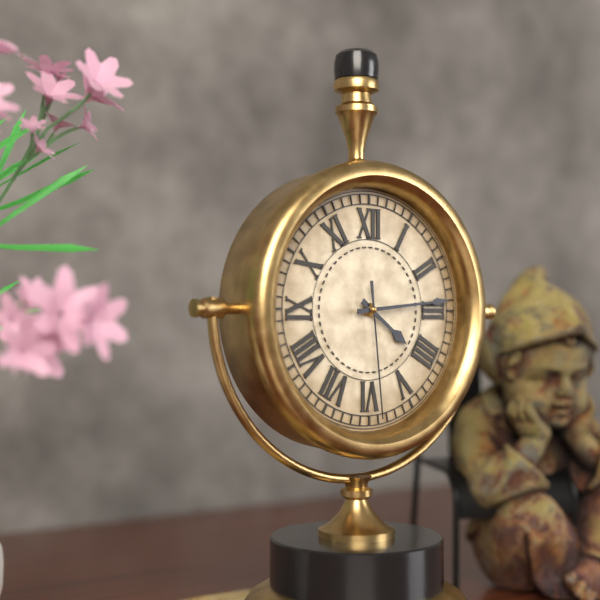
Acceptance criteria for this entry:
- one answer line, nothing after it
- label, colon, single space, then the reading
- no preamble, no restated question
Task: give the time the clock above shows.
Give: 4:14:29
